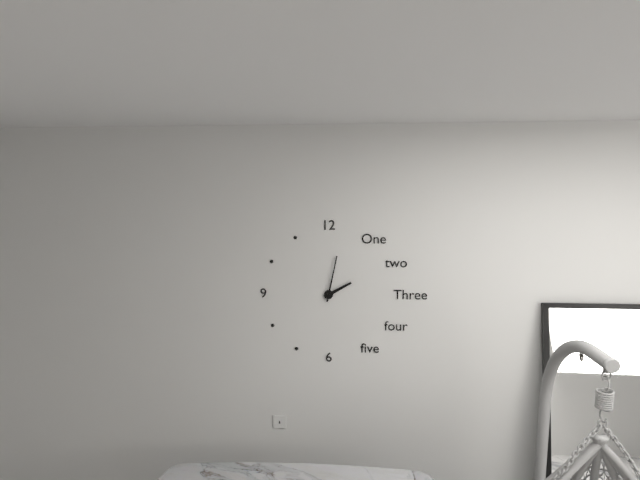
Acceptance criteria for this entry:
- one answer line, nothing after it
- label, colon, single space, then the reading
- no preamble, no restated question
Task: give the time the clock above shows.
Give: 2:02
